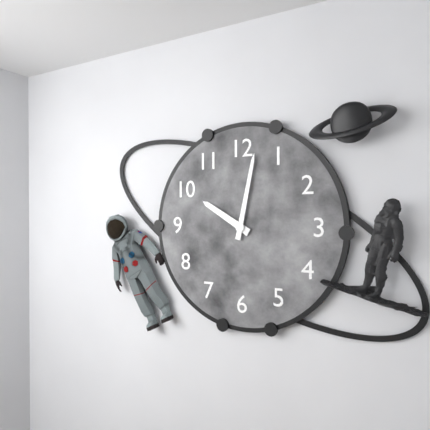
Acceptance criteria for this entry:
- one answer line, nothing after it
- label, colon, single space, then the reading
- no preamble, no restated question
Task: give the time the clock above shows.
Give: 10:02
